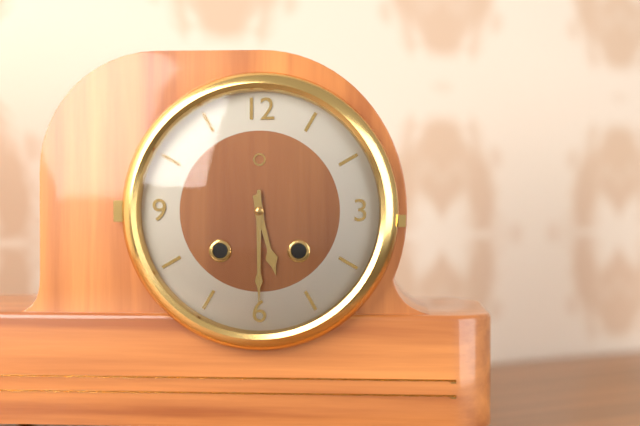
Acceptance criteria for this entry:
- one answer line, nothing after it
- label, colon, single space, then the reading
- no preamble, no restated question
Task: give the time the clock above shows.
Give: 5:30
